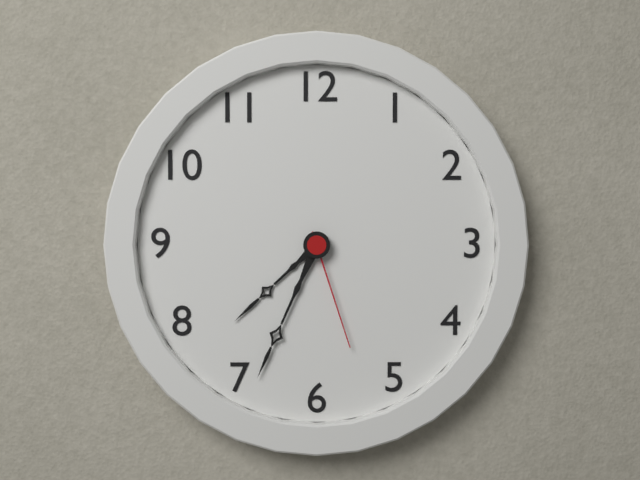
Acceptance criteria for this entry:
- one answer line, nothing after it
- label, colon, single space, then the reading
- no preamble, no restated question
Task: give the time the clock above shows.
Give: 7:34:27
